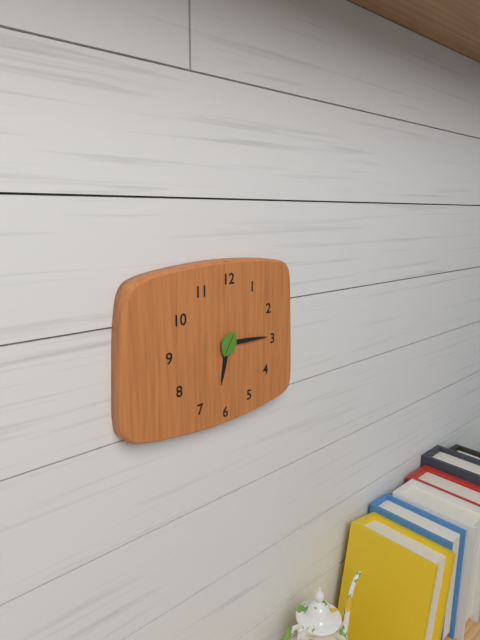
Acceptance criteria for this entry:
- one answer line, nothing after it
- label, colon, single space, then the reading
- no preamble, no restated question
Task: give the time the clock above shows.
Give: 6:15
